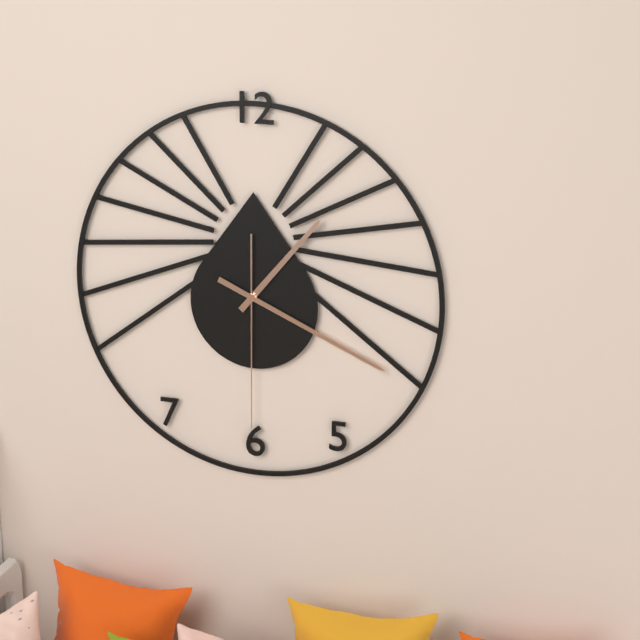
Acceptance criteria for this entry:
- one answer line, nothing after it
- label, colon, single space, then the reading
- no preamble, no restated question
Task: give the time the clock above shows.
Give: 1:19:30
